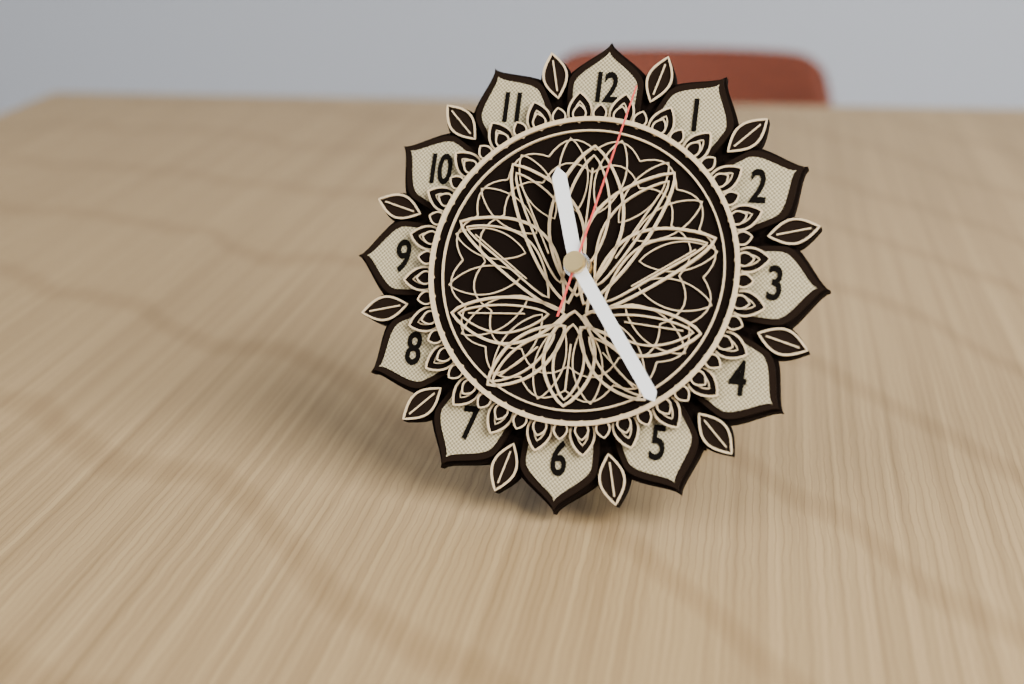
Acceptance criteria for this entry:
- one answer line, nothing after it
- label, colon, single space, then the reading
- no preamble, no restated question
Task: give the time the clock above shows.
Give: 11:24:02
